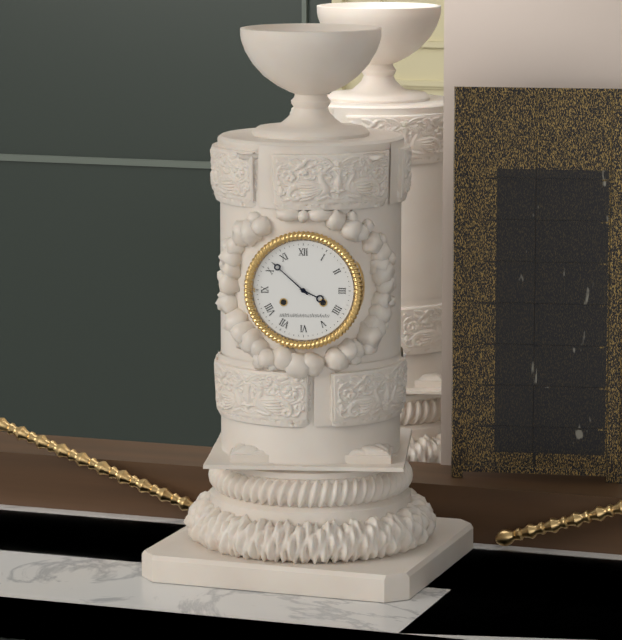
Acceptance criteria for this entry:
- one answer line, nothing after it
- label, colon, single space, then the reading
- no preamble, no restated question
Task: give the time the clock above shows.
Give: 3:52
